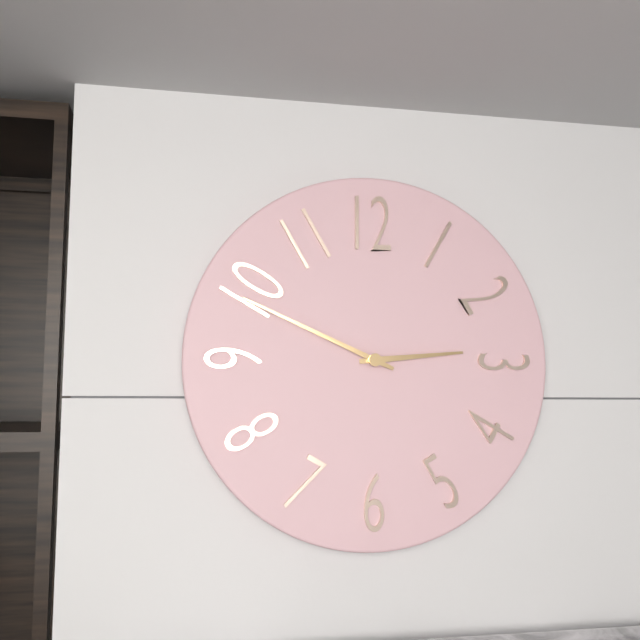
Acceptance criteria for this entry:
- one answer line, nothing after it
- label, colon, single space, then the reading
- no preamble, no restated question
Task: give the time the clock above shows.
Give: 2:49
